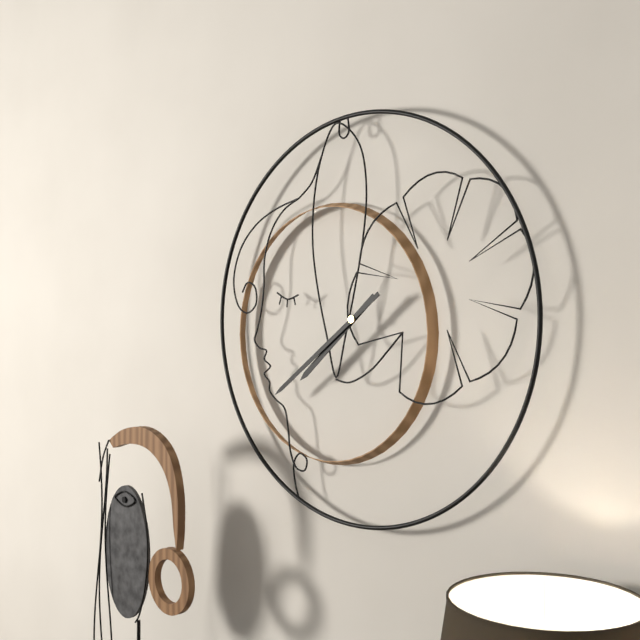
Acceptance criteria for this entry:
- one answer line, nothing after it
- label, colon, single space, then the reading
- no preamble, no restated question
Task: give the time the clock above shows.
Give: 7:39
